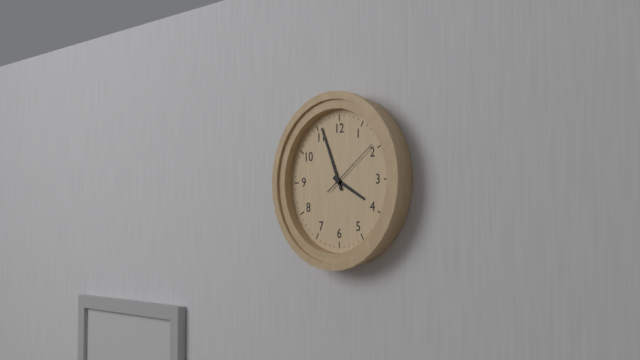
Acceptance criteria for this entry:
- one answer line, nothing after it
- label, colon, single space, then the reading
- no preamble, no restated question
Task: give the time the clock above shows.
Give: 3:56:09
